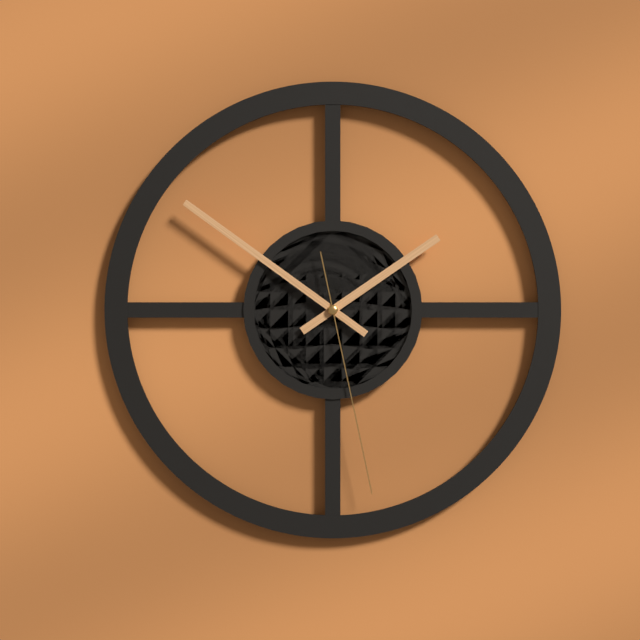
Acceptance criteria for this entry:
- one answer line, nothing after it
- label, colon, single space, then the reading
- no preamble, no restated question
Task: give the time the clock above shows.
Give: 1:51:28
